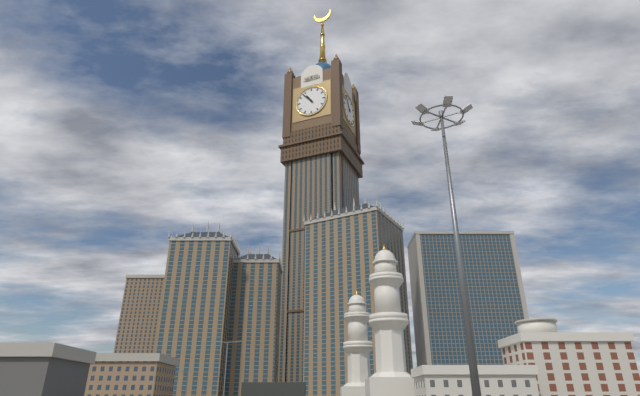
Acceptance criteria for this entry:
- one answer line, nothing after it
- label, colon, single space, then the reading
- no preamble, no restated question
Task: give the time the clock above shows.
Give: 10:53
